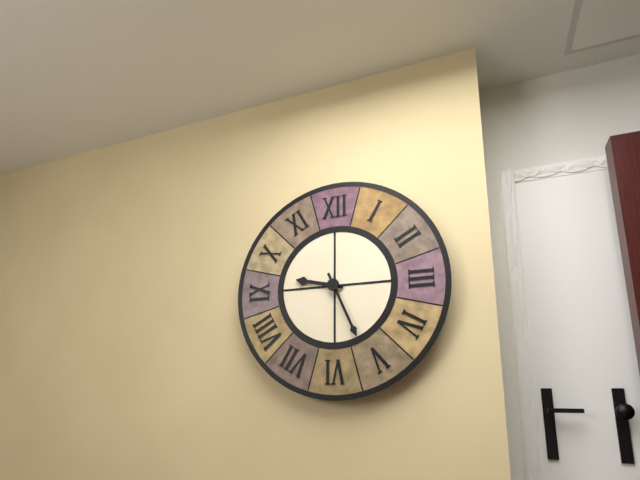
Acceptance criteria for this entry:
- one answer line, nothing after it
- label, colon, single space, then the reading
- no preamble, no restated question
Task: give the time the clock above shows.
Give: 9:26
